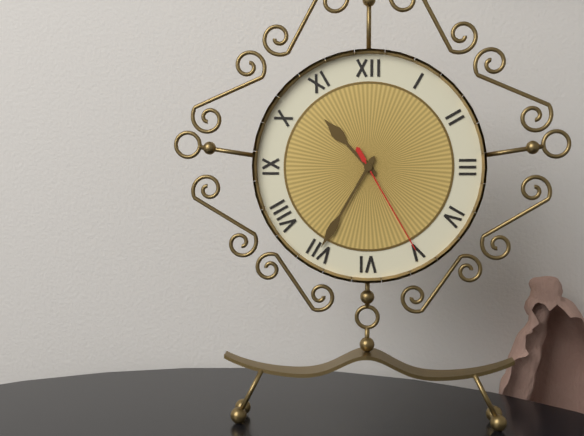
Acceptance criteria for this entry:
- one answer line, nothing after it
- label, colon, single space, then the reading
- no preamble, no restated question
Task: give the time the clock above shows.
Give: 10:35:25
